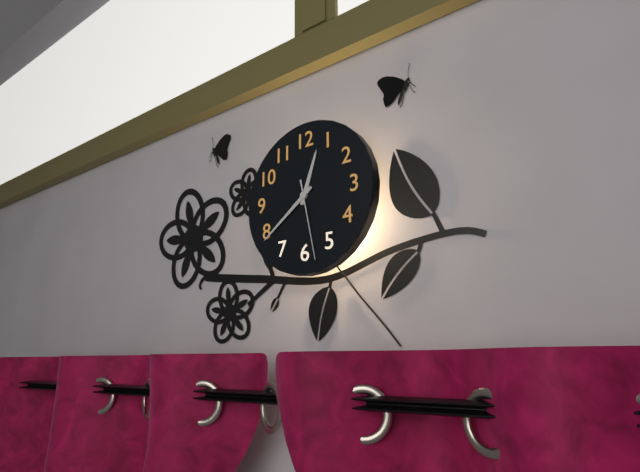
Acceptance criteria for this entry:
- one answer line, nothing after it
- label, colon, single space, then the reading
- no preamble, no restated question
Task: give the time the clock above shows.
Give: 12:39:28
